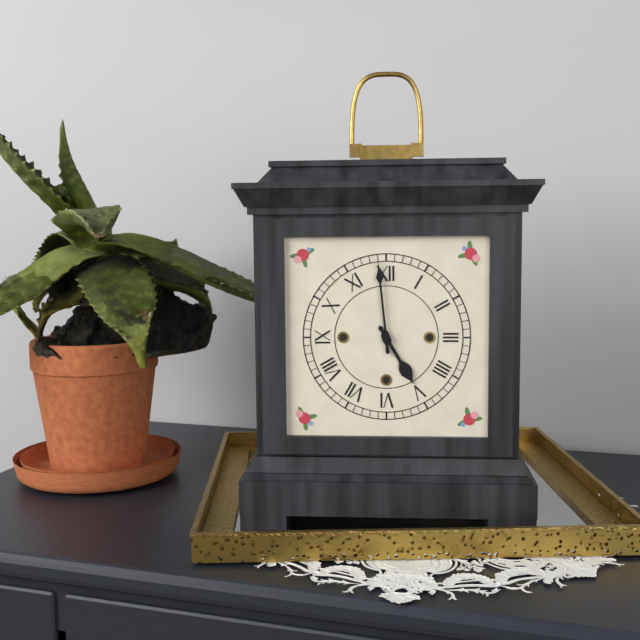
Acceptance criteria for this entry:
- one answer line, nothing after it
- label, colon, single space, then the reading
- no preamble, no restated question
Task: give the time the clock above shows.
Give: 4:59
